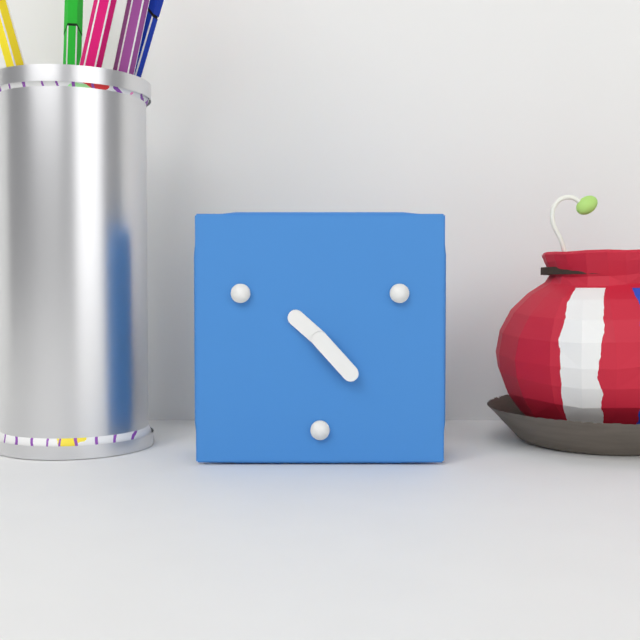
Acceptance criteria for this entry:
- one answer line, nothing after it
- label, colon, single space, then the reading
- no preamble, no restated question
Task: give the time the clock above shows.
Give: 10:23
